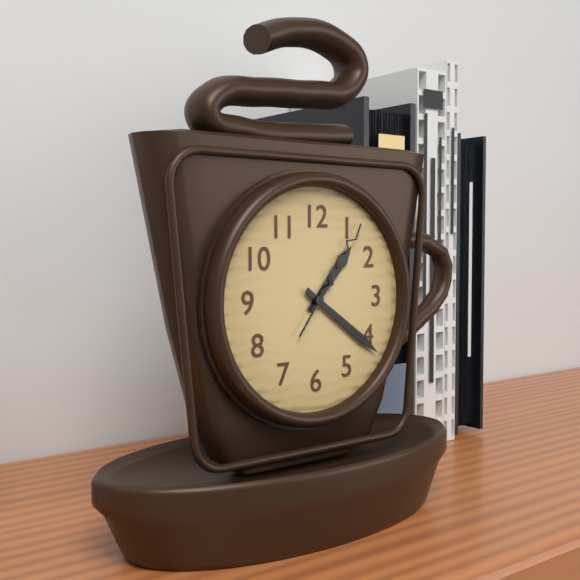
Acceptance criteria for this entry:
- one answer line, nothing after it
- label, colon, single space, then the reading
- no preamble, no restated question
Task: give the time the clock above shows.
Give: 1:21:06
